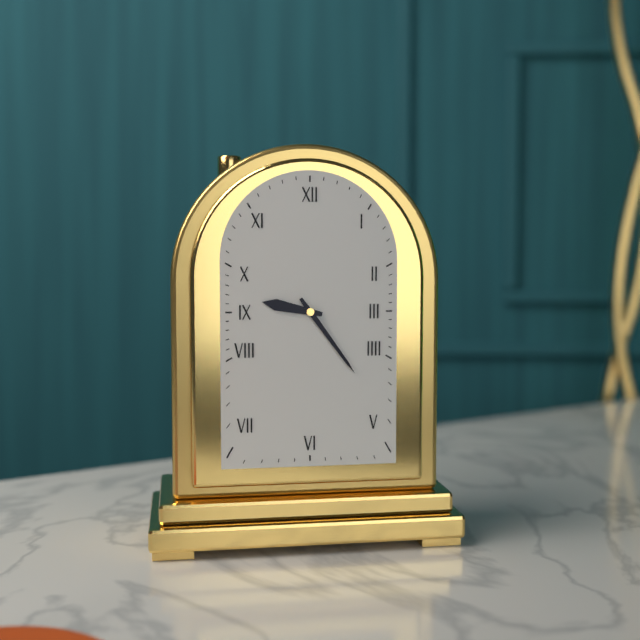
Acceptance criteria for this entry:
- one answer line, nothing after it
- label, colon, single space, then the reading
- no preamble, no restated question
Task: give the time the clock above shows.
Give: 9:24
